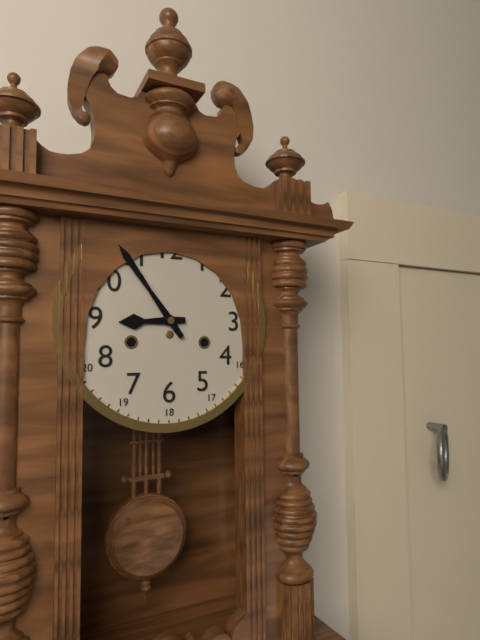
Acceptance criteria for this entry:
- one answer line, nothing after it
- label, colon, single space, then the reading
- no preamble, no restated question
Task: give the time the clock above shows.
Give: 8:54
